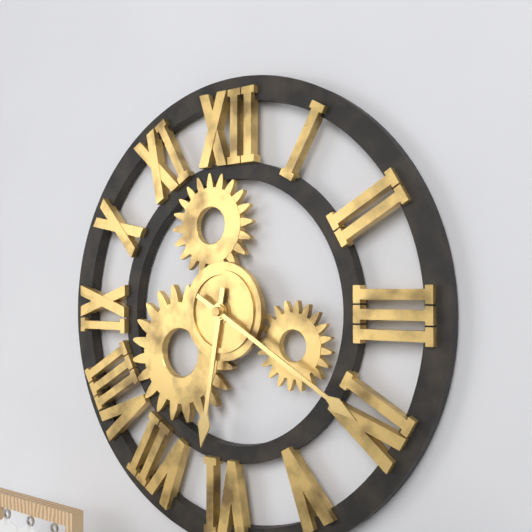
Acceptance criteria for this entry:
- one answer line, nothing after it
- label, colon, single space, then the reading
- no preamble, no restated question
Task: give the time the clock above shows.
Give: 6:20
